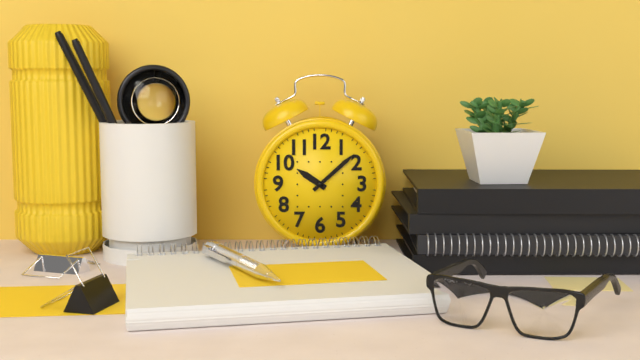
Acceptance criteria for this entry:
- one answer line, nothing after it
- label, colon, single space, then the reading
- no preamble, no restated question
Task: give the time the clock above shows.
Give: 10:08
